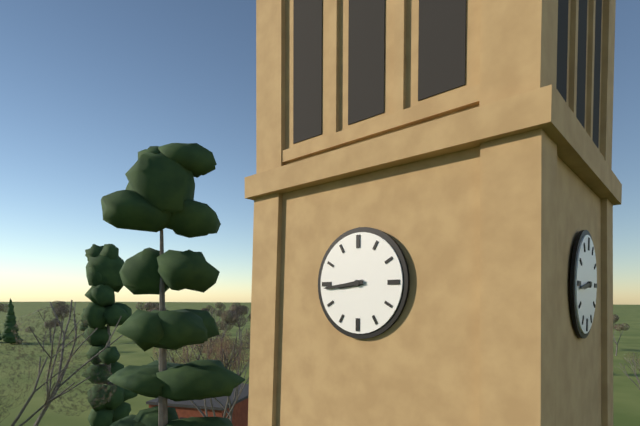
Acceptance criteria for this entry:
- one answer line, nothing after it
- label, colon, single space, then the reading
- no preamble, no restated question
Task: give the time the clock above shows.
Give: 8:44
